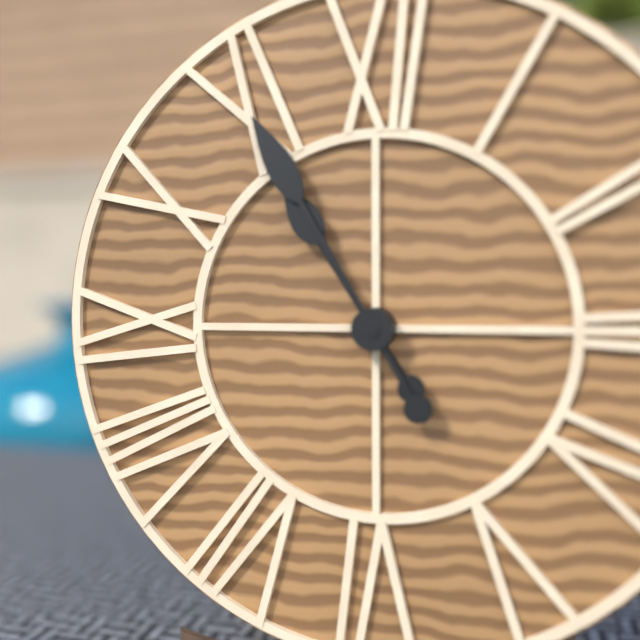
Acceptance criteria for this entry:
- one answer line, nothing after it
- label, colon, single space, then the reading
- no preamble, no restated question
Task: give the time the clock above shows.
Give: 10:55
